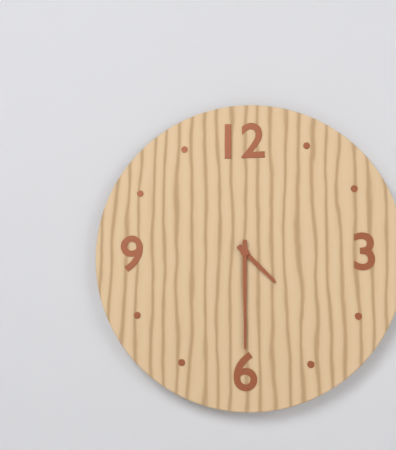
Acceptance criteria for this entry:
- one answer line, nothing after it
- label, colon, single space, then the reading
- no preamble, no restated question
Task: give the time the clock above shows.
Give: 4:30
